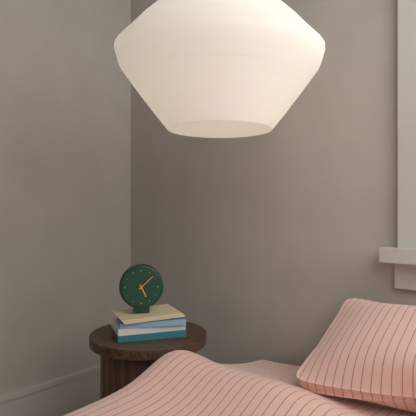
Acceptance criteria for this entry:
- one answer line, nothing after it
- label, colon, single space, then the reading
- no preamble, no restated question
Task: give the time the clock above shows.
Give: 5:08
